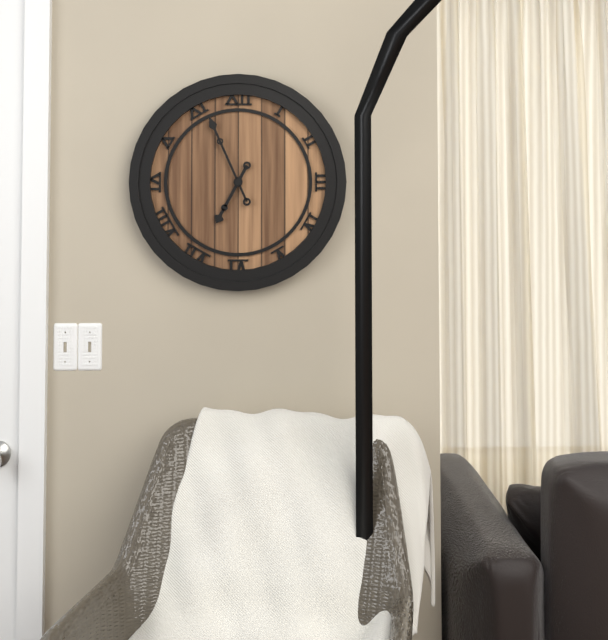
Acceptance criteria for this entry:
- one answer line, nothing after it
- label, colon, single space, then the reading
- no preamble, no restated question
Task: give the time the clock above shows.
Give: 6:56
